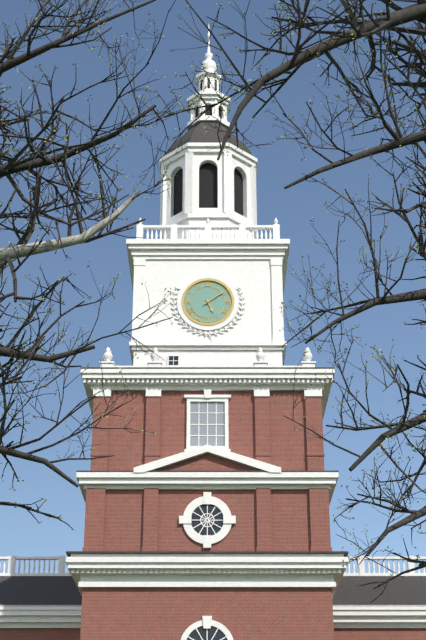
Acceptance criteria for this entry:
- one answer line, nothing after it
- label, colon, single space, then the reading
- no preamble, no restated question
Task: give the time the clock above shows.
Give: 5:09
